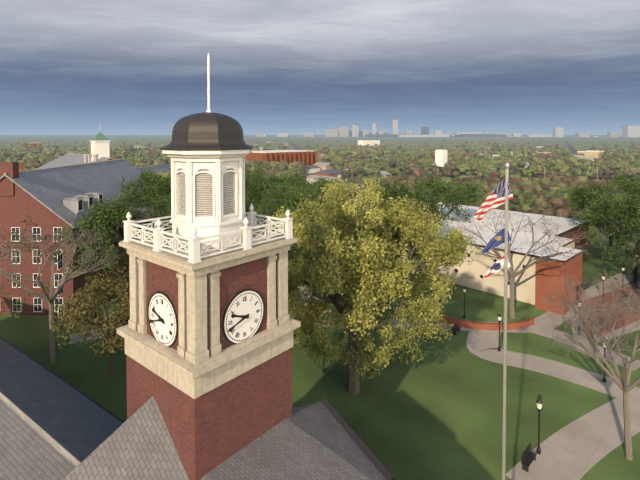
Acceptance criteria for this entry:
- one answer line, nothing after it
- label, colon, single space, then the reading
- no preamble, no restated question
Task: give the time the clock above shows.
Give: 9:42
